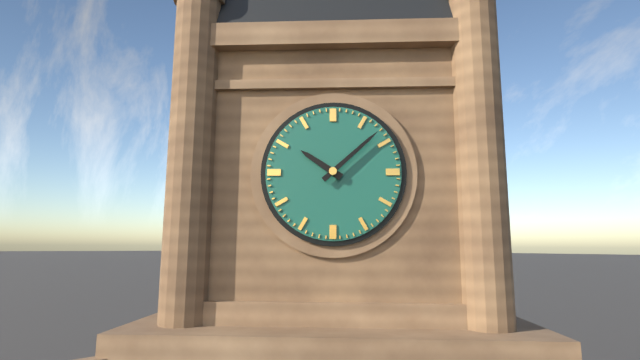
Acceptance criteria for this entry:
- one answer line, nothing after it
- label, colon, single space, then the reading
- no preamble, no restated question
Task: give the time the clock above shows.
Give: 10:08
